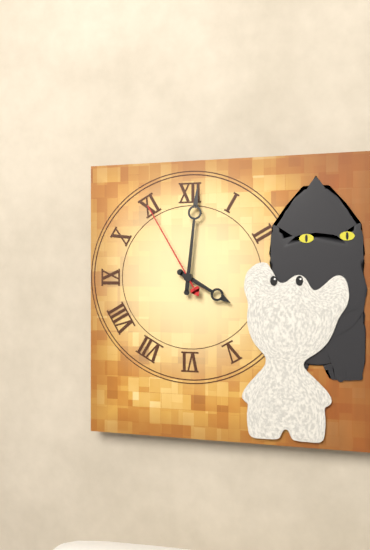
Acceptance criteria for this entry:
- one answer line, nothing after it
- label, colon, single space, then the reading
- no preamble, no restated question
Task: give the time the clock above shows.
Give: 4:01:55
